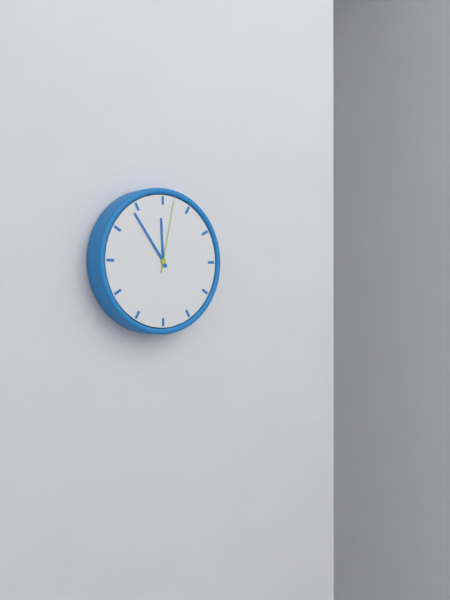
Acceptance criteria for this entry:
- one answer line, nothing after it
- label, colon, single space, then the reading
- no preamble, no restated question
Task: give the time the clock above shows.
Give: 11:54:02
